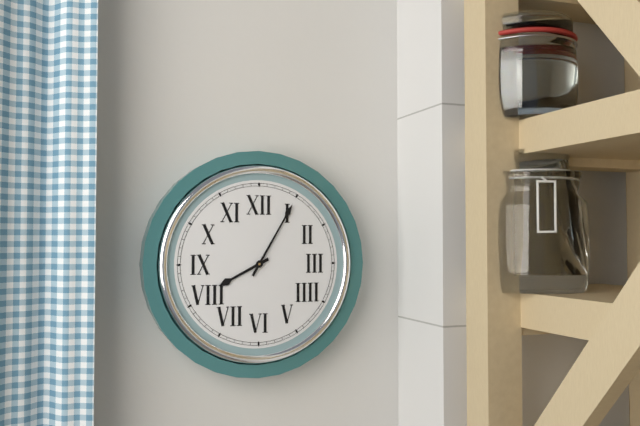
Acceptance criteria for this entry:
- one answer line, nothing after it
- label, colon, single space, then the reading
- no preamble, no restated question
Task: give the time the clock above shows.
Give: 8:05
